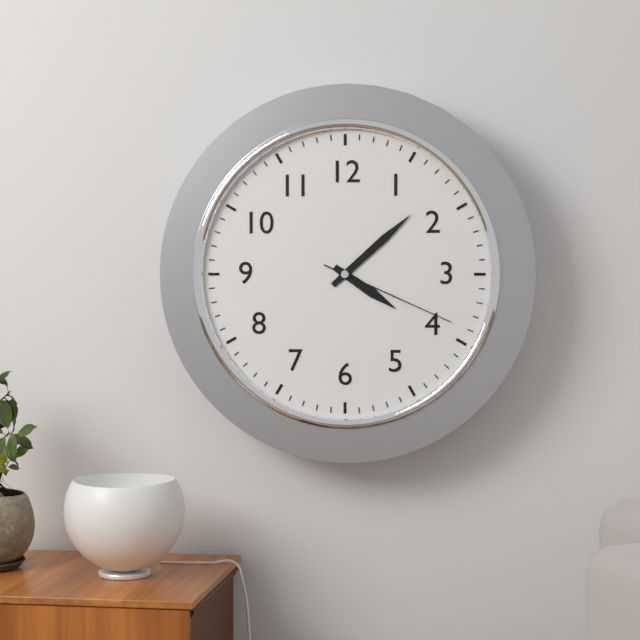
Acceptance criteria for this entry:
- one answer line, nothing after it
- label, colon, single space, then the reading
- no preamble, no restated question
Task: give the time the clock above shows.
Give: 4:08:19
